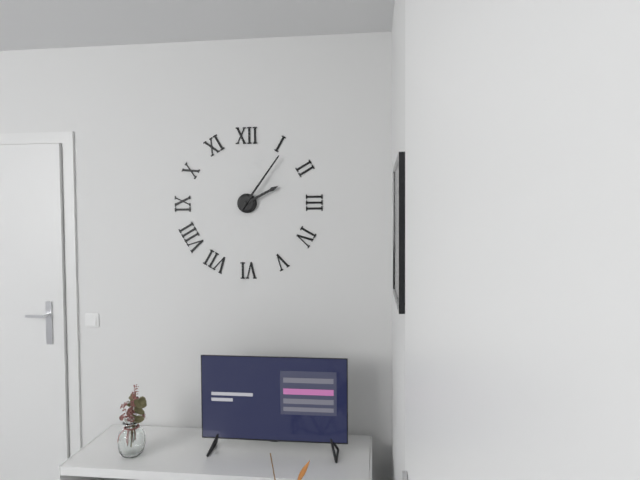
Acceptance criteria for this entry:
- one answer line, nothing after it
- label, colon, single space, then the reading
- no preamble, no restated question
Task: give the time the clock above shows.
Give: 2:06
